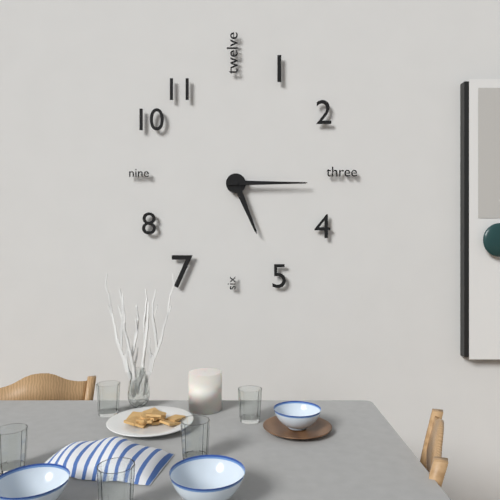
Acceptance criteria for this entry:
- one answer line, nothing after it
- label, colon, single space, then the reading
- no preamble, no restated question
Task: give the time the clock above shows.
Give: 5:15
